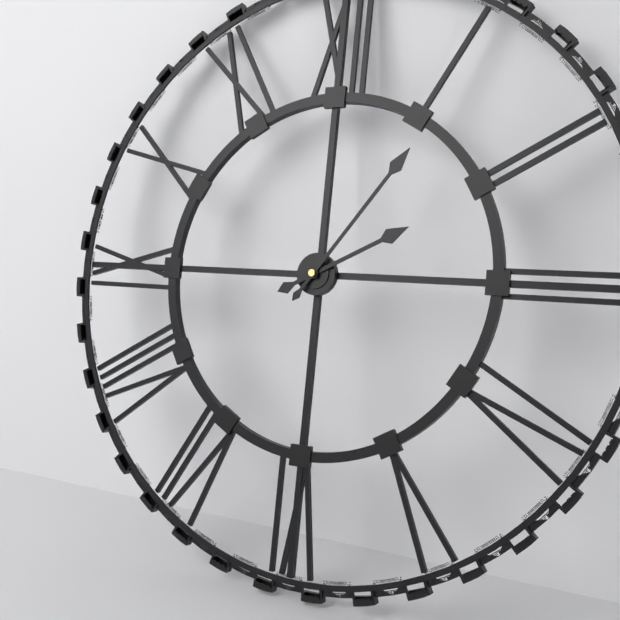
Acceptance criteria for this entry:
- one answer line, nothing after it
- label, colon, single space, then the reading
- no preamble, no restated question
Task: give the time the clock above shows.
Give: 2:06
